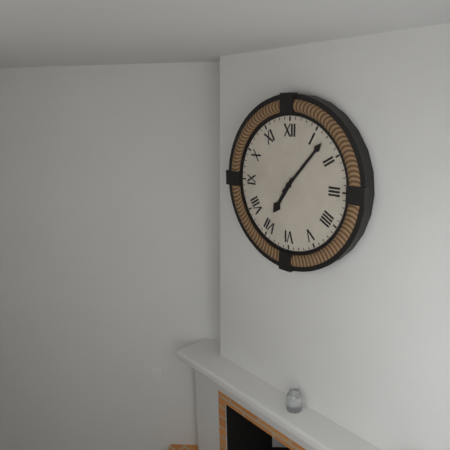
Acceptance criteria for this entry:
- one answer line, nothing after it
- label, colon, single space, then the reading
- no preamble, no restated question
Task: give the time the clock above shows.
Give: 7:07
